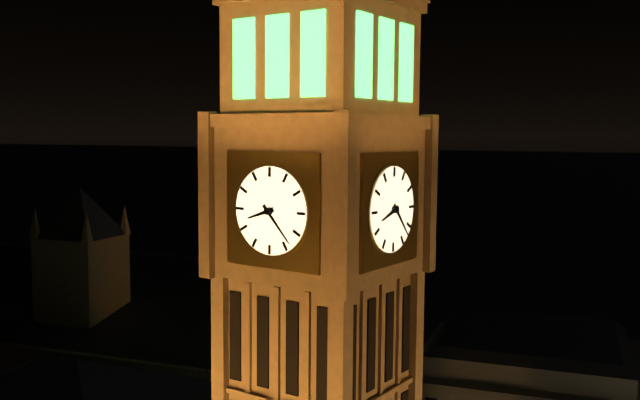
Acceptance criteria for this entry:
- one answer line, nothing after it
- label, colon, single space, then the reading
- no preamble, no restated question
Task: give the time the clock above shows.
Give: 8:23
